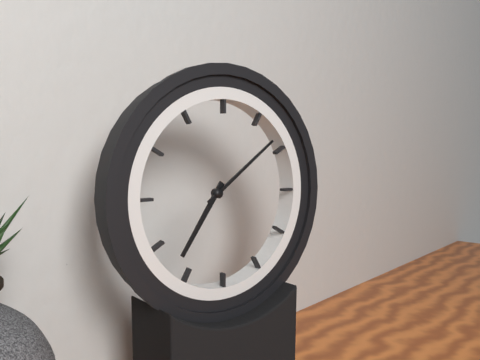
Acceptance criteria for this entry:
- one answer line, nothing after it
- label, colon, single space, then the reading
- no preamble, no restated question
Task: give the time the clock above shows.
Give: 7:09
